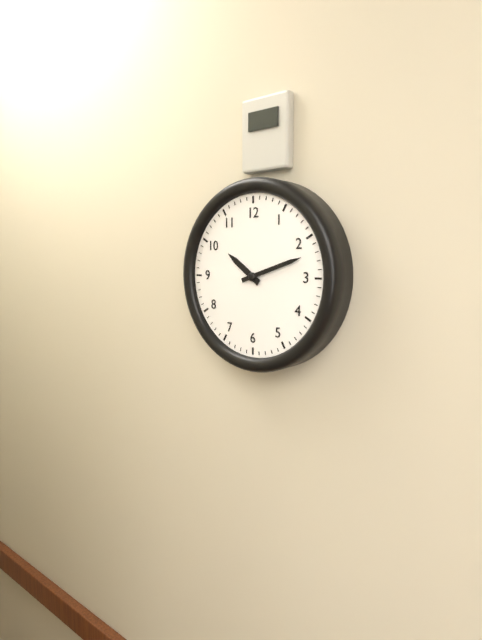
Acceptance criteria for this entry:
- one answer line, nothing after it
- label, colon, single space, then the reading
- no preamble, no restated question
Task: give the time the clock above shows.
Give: 10:12
